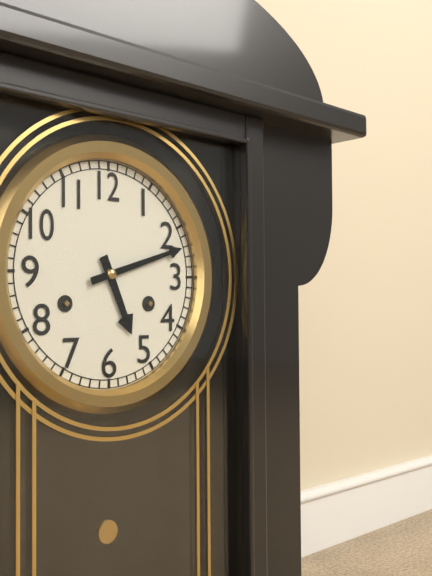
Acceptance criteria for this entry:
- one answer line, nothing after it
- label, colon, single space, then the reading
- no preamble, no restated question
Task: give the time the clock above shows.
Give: 5:12
